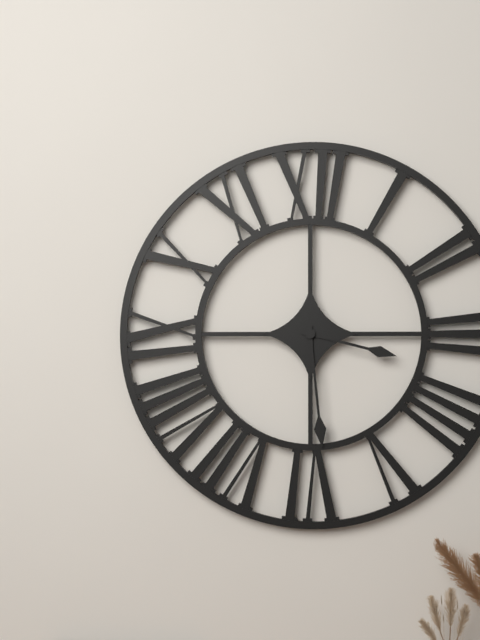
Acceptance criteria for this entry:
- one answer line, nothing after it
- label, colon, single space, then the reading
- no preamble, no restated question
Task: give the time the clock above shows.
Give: 3:29
